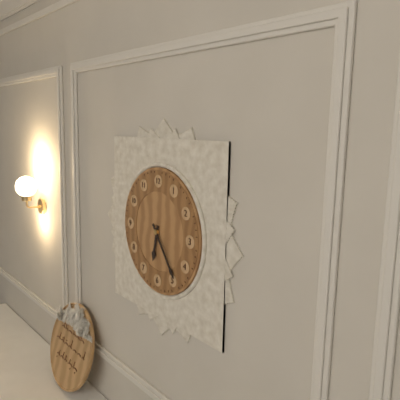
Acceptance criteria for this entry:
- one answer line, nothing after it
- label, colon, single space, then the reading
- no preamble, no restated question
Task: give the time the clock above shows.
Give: 6:24
